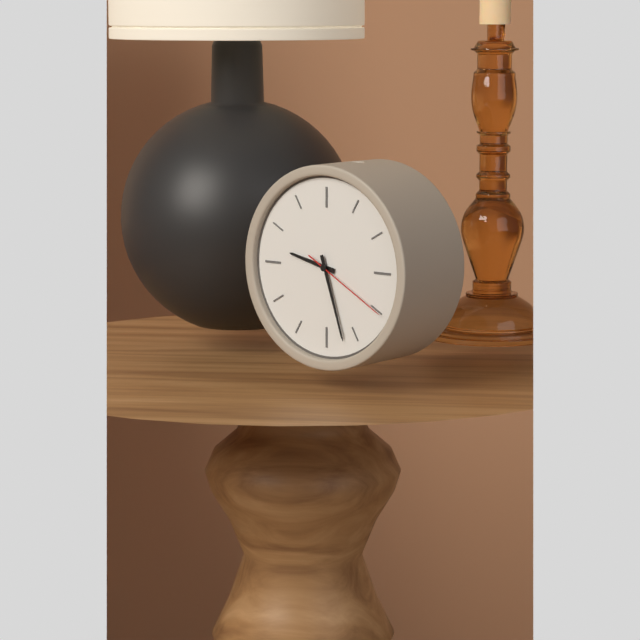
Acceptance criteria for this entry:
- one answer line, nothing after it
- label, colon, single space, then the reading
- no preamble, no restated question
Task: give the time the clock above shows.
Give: 9:27:20
